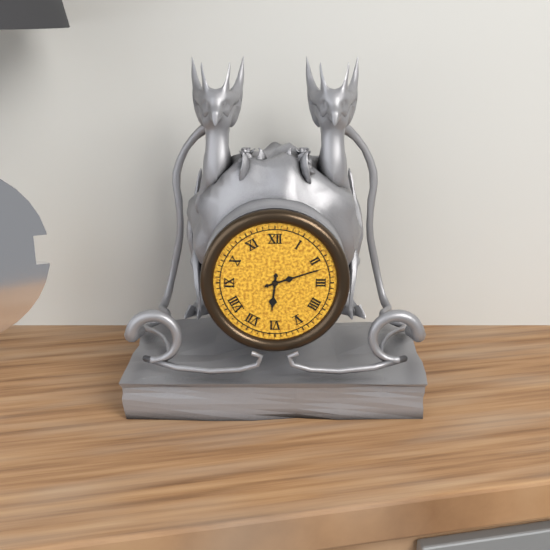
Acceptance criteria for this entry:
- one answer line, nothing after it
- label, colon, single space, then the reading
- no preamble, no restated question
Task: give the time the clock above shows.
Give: 6:12
